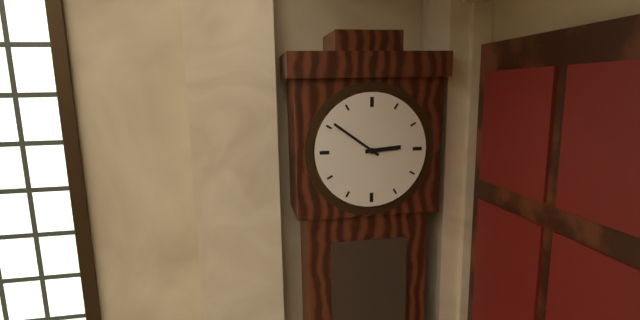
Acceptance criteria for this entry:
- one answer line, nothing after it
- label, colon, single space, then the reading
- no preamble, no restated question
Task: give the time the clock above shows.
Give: 2:51
